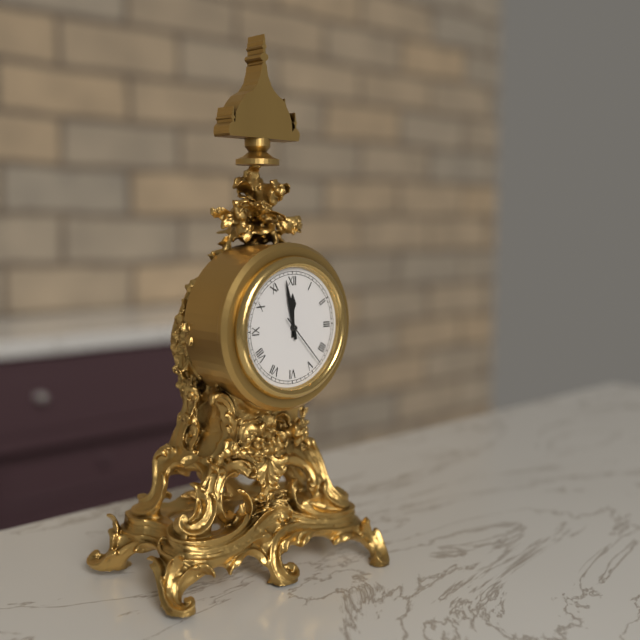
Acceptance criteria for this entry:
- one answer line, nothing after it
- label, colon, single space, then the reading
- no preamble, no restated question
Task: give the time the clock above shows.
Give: 11:58:23
